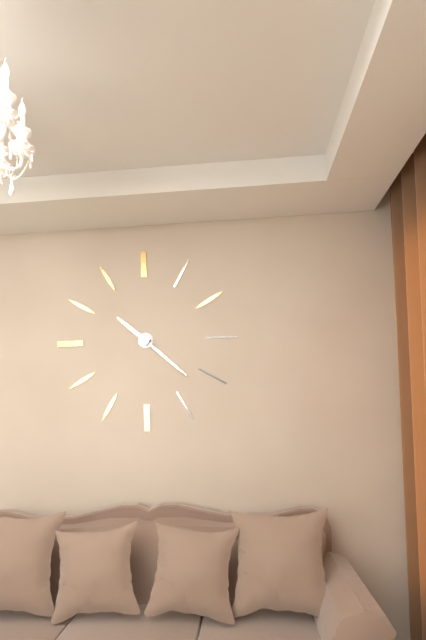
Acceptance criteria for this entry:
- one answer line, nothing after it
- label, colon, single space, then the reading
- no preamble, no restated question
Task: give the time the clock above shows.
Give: 10:22
